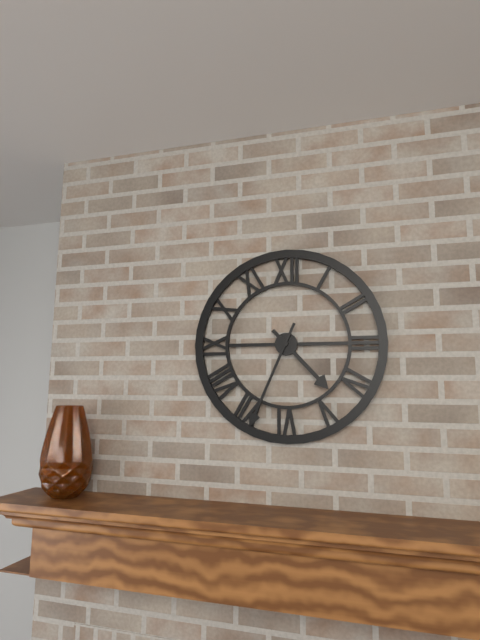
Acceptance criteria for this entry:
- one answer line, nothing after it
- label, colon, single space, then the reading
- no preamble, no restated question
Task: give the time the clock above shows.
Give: 4:34
